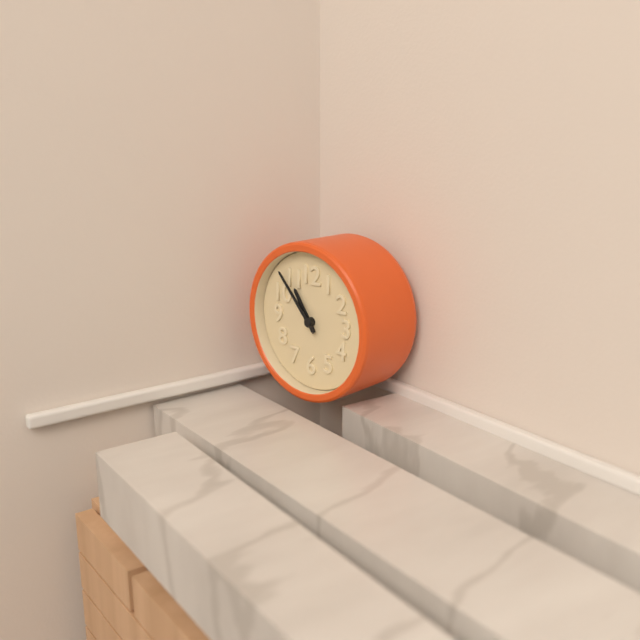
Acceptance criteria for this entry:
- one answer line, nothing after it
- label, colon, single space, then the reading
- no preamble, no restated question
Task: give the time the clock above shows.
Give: 10:53
